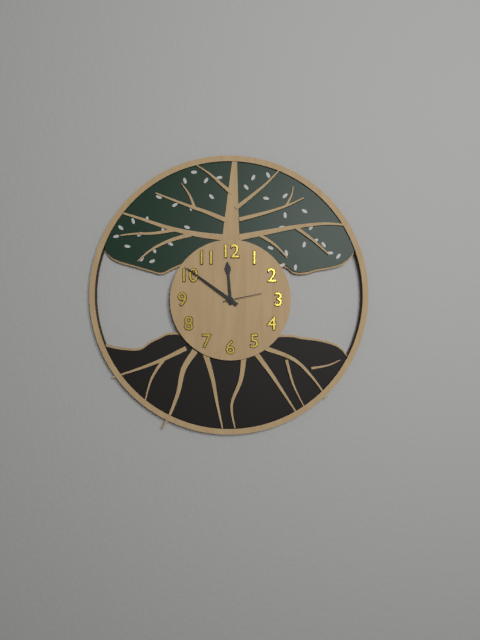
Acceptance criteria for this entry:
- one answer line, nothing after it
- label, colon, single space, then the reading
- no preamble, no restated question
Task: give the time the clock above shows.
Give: 11:51
